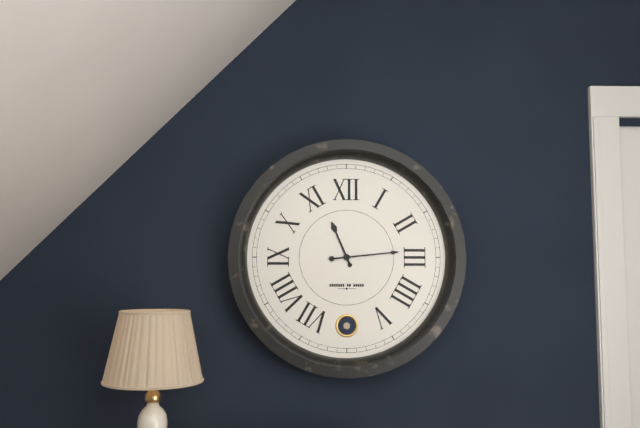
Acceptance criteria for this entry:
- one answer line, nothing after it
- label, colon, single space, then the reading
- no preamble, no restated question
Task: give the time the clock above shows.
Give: 11:14
